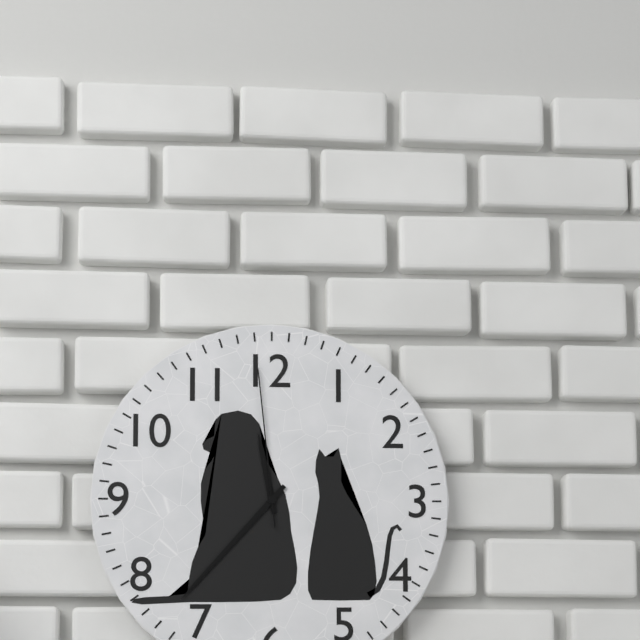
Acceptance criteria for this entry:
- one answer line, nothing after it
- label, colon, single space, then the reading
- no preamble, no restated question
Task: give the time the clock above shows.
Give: 11:37:59
